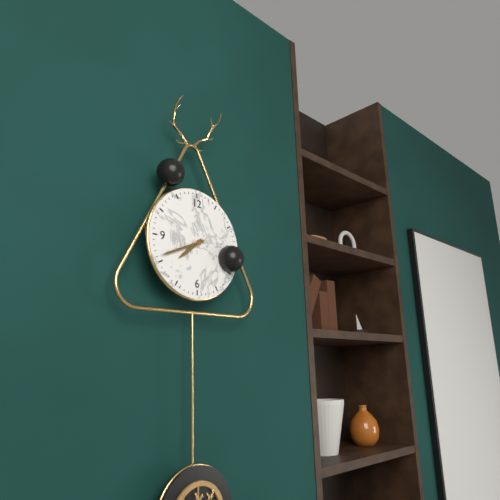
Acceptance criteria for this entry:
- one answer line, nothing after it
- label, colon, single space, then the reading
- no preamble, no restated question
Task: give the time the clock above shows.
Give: 7:41
